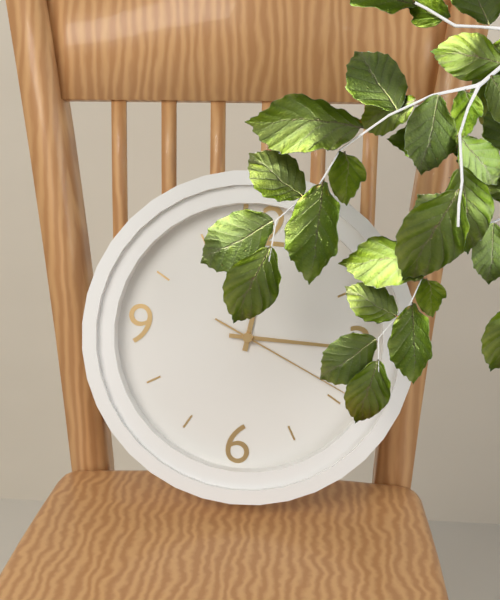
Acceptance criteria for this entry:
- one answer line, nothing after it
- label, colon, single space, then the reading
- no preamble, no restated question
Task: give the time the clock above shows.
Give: 12:15:19
